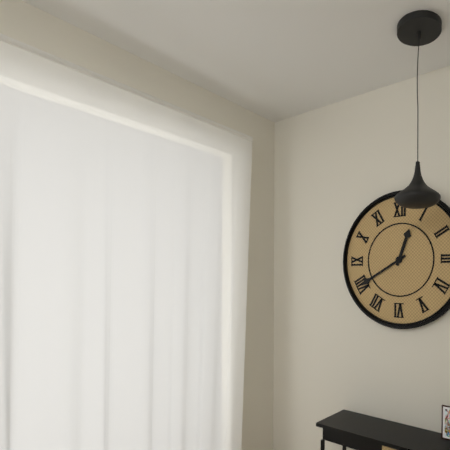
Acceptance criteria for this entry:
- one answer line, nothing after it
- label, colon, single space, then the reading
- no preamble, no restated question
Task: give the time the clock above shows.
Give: 12:40
